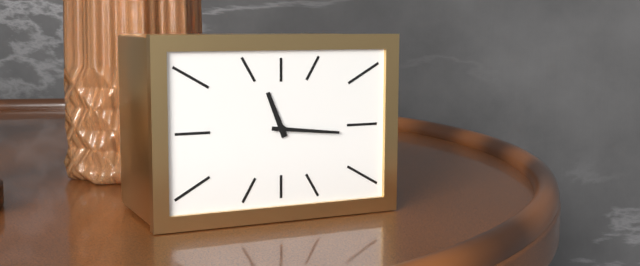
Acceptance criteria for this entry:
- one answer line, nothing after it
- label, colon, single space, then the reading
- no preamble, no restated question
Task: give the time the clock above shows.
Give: 11:16
